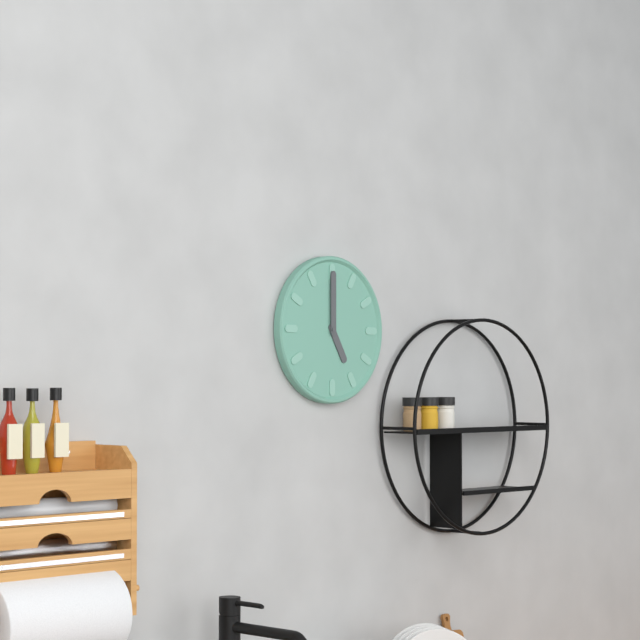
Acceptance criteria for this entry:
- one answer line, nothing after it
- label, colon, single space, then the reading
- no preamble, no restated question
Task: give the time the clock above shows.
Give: 5:00
